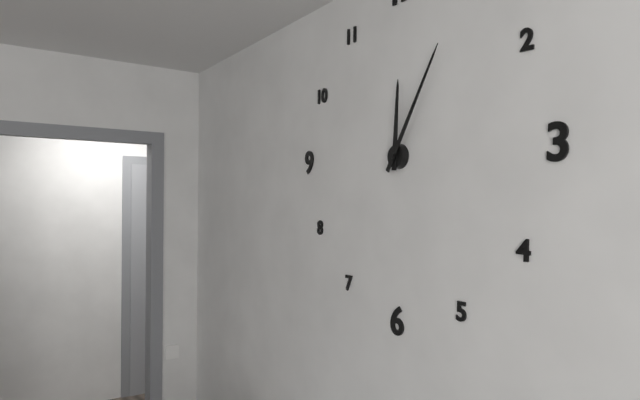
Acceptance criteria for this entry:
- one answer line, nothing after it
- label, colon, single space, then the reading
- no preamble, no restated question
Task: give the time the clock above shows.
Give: 12:05
